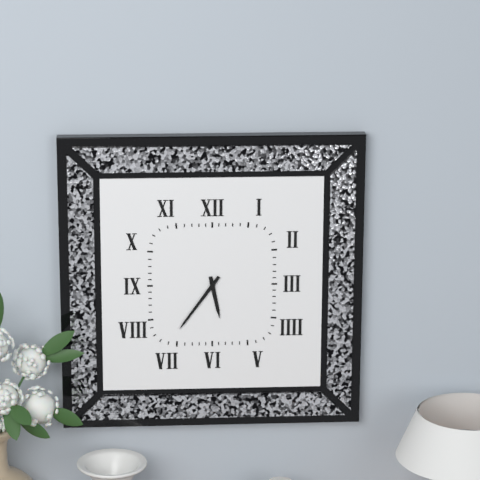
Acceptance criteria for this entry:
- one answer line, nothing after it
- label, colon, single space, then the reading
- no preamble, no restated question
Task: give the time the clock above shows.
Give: 5:36
